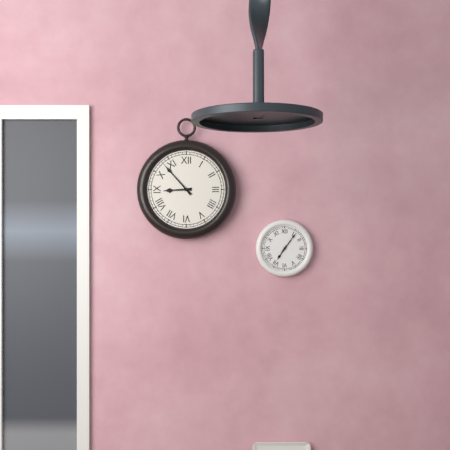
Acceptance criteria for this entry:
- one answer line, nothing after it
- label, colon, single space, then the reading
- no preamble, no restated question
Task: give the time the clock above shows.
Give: 8:53
